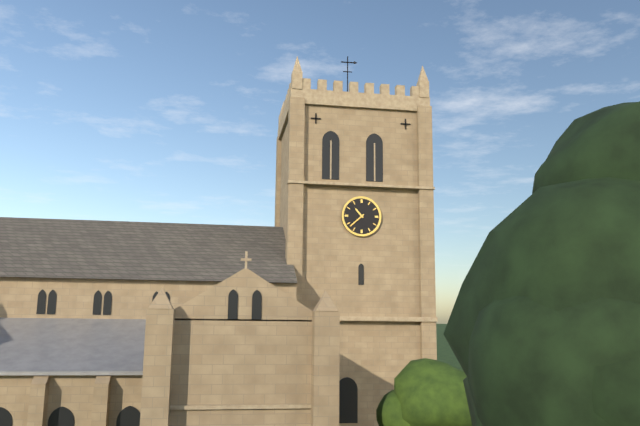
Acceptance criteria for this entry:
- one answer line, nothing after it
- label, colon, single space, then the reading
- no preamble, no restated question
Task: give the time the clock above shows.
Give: 10:38
